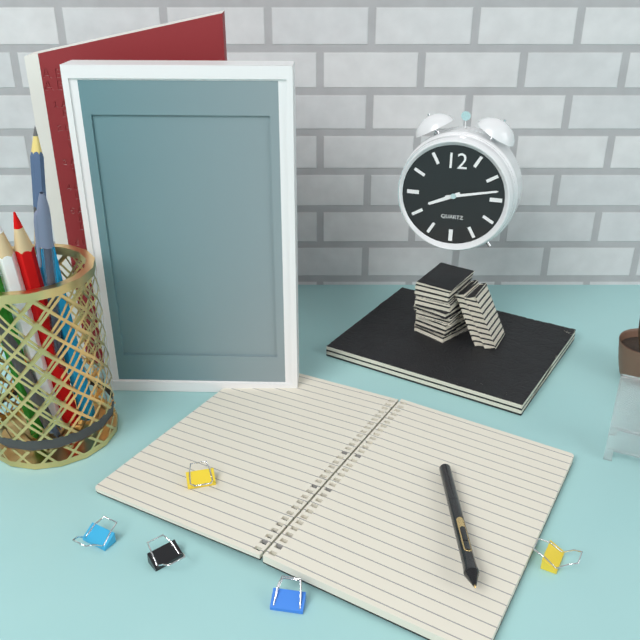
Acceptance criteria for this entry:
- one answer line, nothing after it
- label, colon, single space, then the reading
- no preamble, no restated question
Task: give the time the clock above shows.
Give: 8:13
